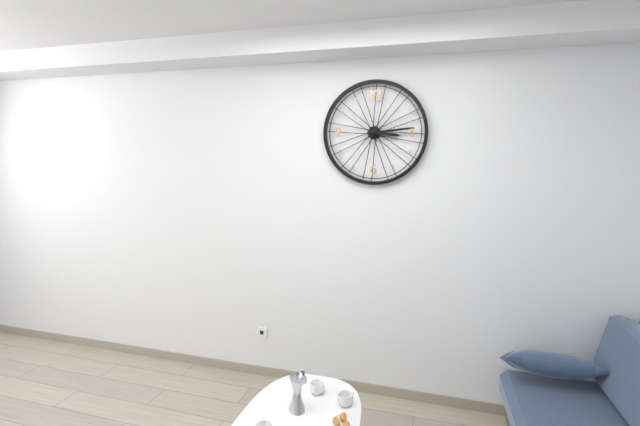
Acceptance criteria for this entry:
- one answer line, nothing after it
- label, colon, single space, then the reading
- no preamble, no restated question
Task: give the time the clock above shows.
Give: 3:14
